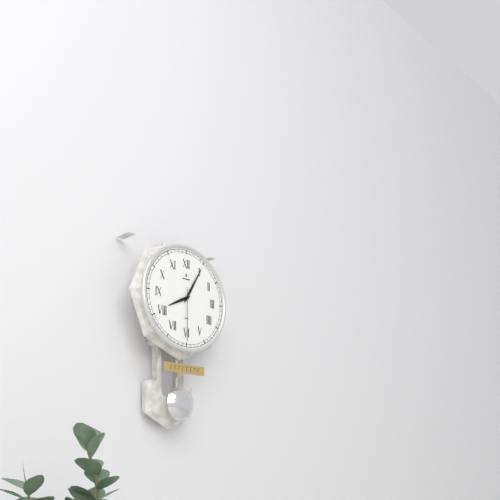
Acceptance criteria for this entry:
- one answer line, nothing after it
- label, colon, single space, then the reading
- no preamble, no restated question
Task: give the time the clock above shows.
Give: 8:05:30
